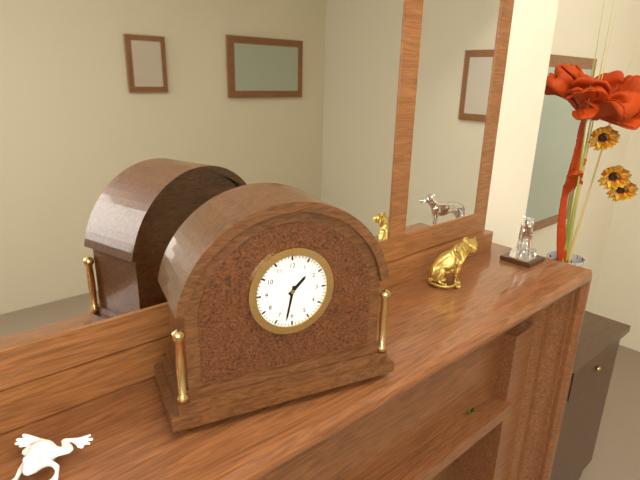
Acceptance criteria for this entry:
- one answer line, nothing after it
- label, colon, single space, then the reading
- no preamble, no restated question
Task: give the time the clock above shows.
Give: 1:32
